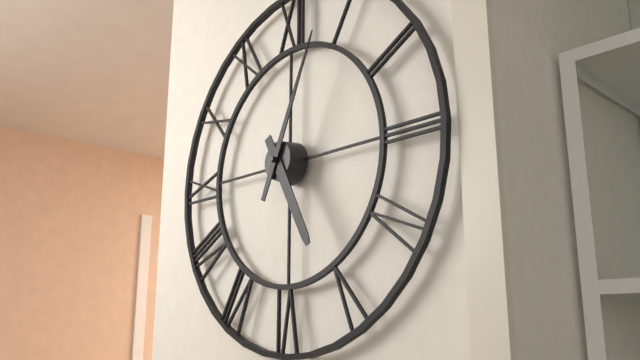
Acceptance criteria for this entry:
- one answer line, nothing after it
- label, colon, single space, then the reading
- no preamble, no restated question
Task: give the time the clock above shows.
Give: 5:04
